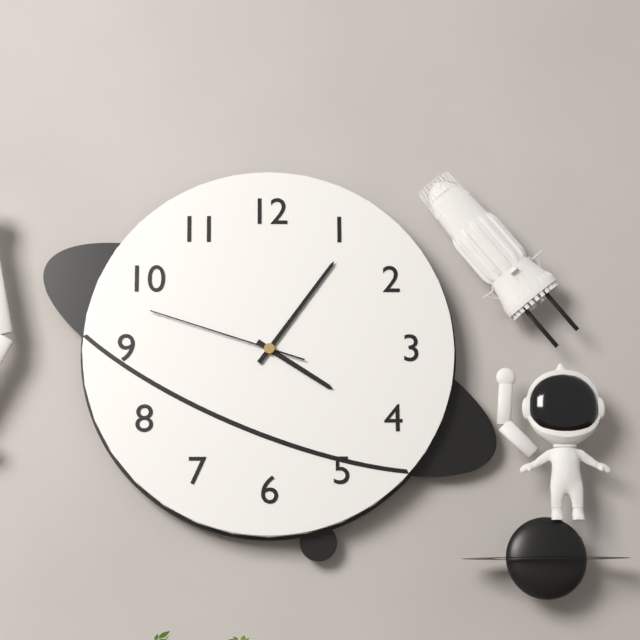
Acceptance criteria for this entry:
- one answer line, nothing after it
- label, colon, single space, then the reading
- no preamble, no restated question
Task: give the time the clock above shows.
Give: 4:06:48
